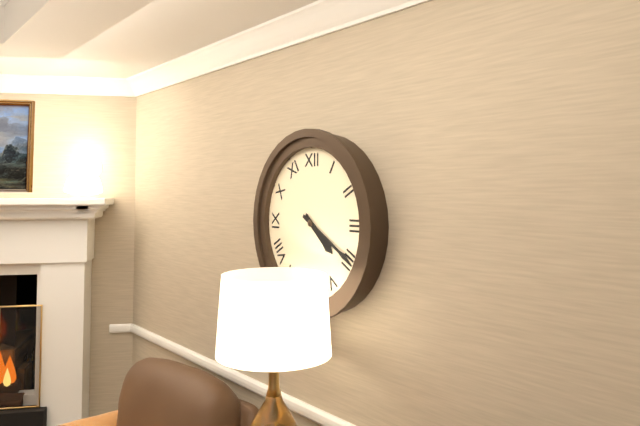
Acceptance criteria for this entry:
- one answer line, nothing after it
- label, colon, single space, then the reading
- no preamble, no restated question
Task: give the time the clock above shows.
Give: 4:20
